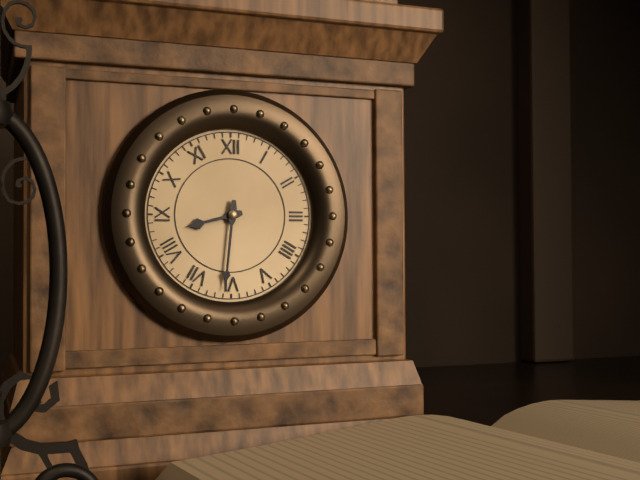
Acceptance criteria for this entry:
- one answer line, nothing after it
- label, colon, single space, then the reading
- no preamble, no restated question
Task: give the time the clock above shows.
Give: 8:31
